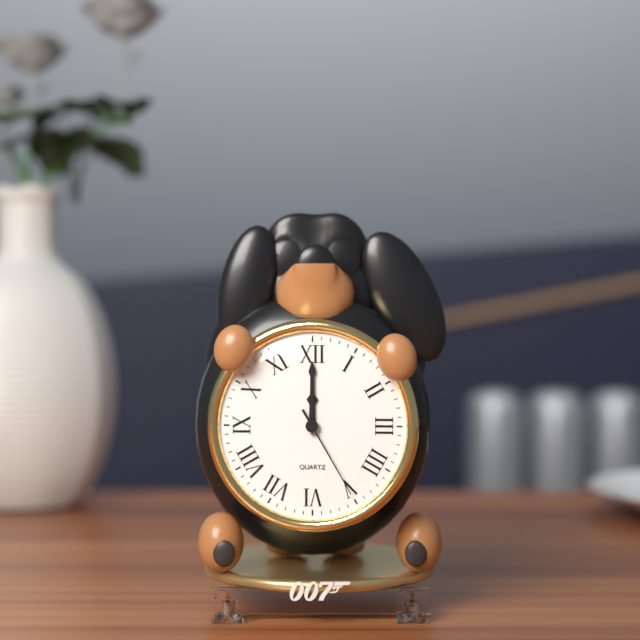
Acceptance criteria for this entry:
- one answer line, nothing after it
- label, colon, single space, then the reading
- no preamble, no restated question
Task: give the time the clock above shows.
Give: 12:00:25
